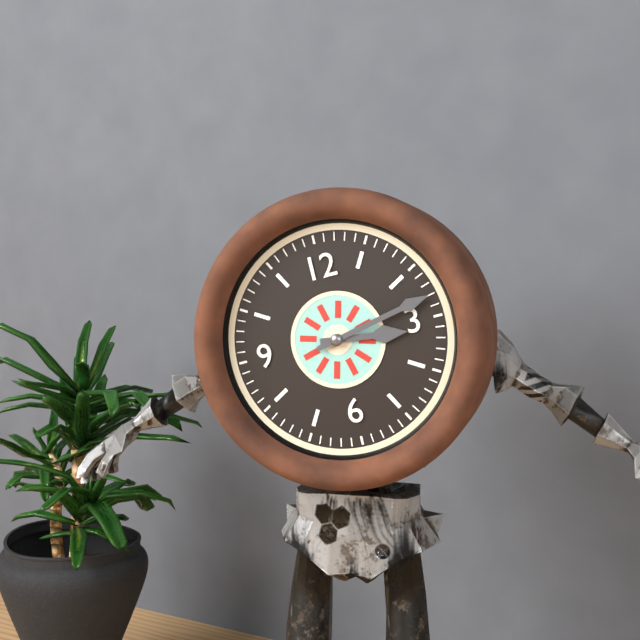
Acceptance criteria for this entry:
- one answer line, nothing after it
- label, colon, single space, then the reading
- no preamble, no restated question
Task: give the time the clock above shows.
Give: 3:13
